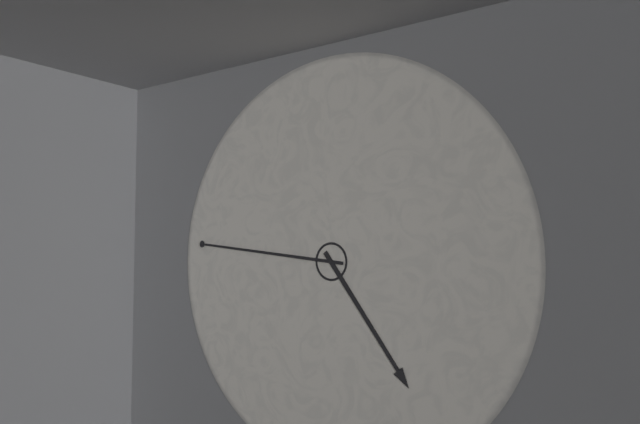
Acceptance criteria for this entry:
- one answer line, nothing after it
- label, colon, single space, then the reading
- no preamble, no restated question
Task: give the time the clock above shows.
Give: 4:46
